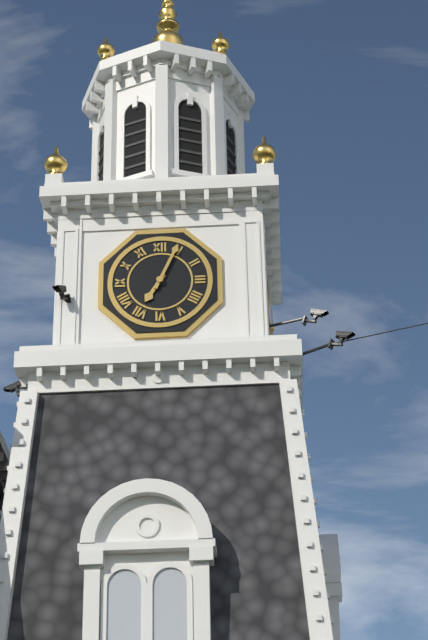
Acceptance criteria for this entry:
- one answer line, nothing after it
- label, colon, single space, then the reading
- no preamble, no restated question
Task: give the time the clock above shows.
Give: 7:04
